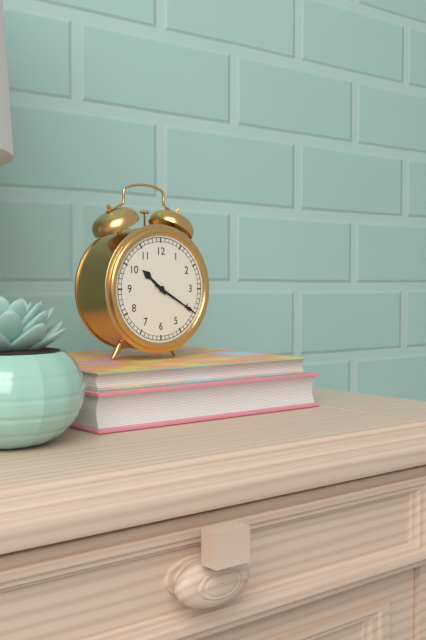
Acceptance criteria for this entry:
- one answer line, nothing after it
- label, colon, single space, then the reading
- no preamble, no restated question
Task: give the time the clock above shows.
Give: 10:20
